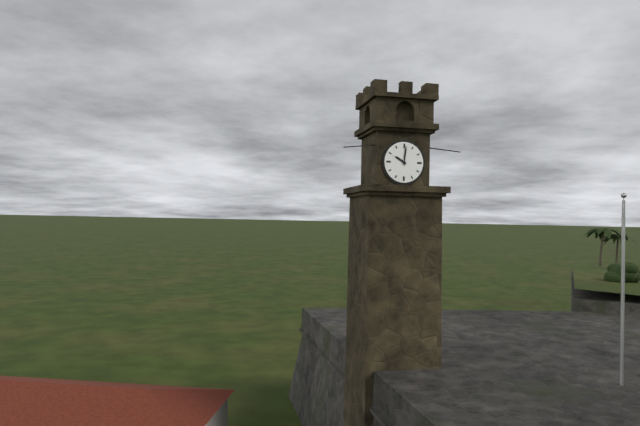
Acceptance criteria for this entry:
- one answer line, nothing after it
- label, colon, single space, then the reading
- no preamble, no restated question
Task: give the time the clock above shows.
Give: 10:01
